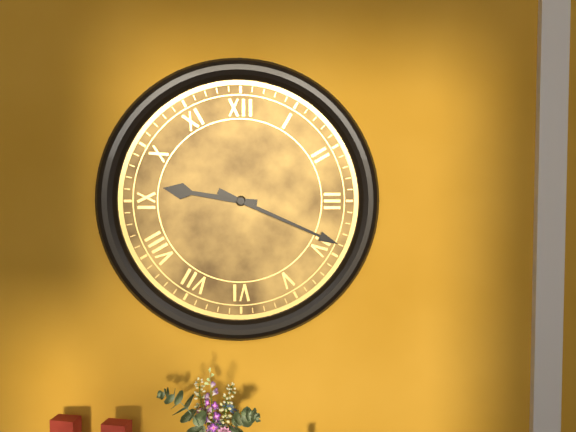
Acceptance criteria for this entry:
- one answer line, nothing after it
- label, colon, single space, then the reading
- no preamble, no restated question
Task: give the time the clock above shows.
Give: 9:19
